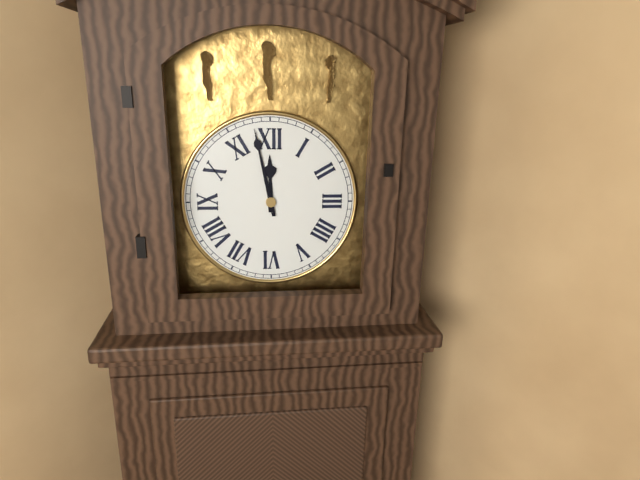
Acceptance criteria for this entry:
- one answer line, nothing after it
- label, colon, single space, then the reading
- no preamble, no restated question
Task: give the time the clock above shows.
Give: 11:58
